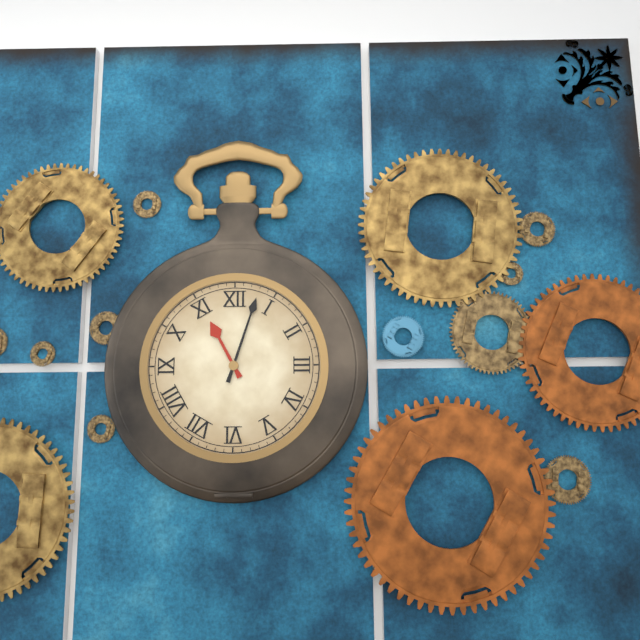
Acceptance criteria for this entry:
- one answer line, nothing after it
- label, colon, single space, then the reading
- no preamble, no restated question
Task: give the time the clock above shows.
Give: 11:03
